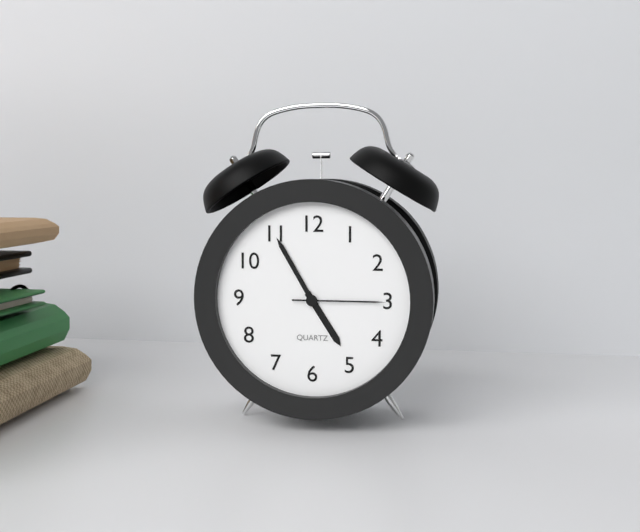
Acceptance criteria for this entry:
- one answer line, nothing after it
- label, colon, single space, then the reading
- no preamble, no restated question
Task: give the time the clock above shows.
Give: 4:55:15
